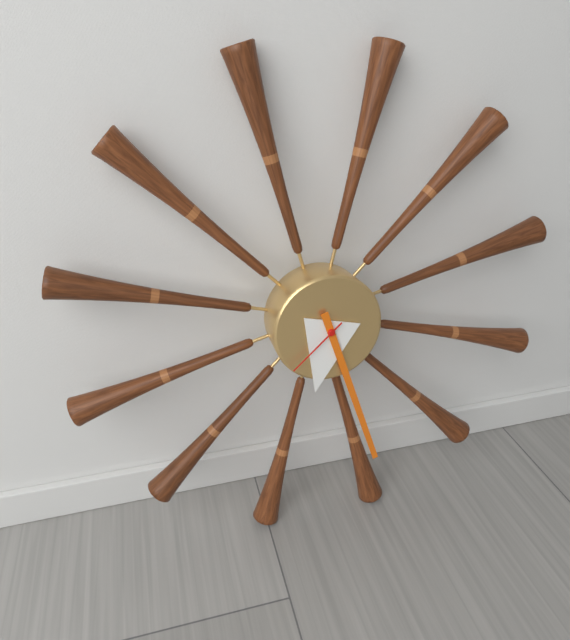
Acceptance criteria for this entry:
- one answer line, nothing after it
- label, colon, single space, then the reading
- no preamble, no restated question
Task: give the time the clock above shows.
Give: 6:27:38
